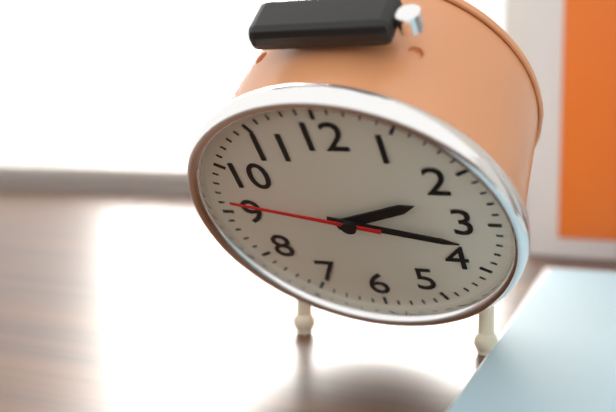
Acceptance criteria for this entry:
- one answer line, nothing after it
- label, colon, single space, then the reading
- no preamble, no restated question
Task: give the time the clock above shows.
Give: 2:17:47
